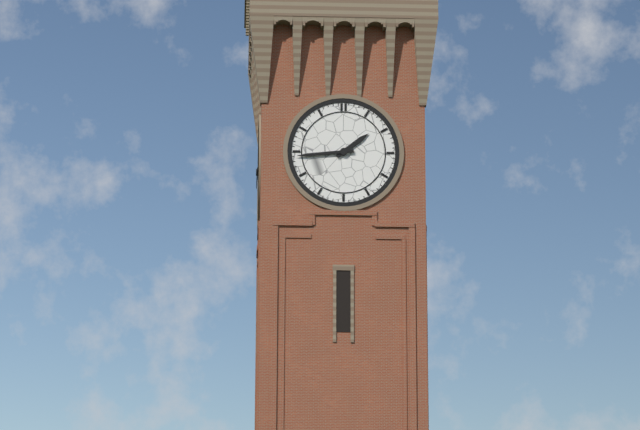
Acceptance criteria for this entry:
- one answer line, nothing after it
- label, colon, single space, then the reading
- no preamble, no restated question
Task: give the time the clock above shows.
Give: 1:44
